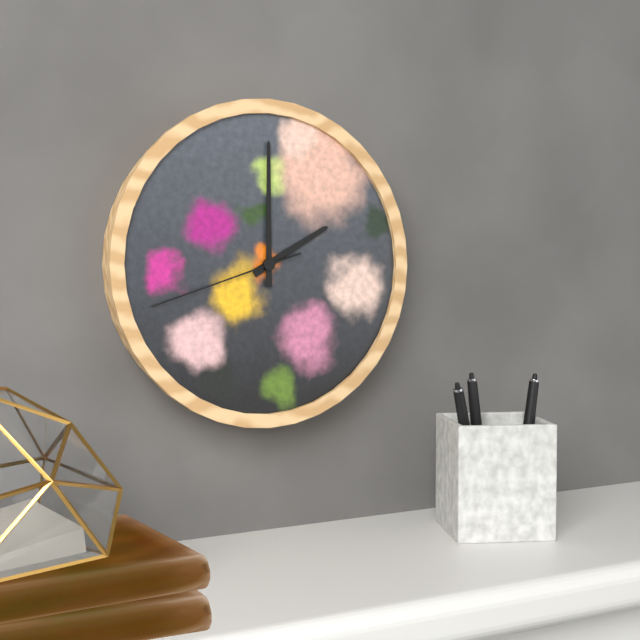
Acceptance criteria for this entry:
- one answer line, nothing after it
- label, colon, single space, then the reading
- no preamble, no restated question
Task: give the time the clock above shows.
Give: 2:00:42
